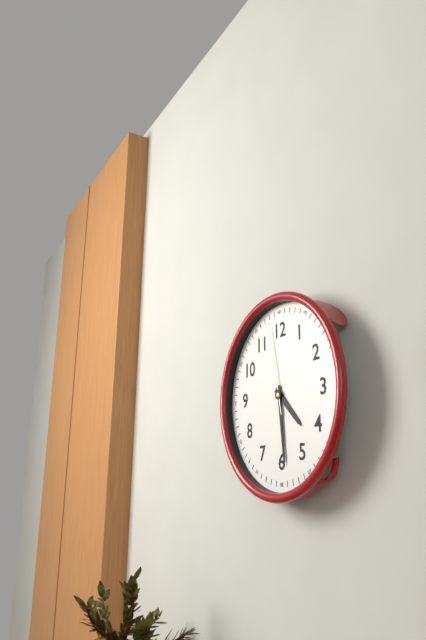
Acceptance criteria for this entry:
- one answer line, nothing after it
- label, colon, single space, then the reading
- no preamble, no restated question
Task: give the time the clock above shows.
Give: 4:29:58
